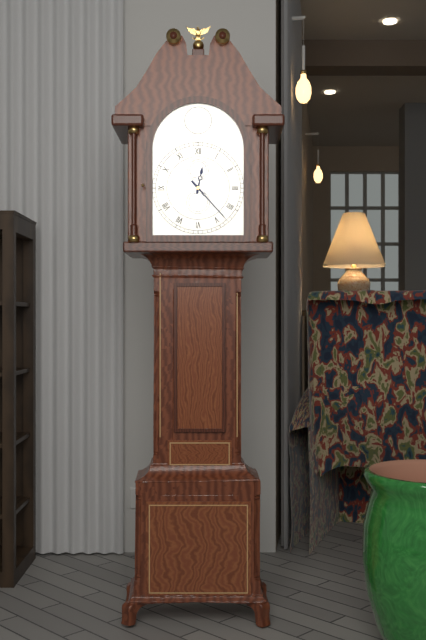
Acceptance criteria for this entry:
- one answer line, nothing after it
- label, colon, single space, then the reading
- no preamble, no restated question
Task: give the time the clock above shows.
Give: 12:23
